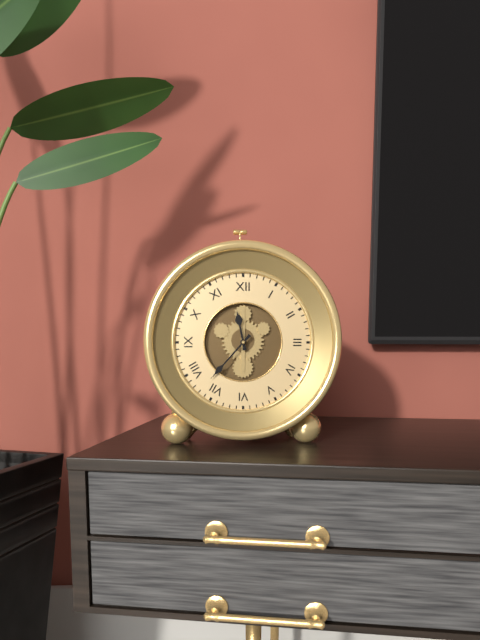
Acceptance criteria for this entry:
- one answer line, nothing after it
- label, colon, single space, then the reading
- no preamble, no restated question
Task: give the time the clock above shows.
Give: 11:37
